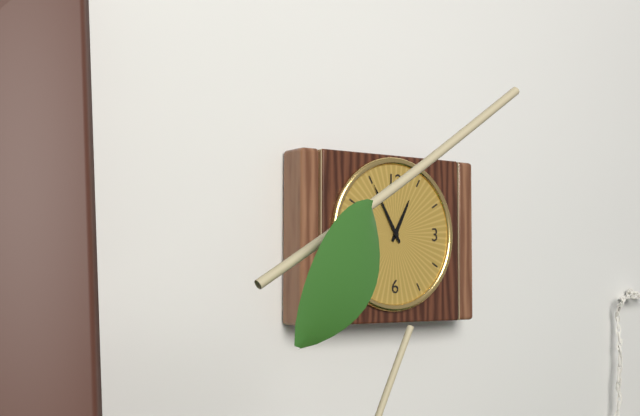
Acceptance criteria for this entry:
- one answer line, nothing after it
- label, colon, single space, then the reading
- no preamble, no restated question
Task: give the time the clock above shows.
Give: 12:55
